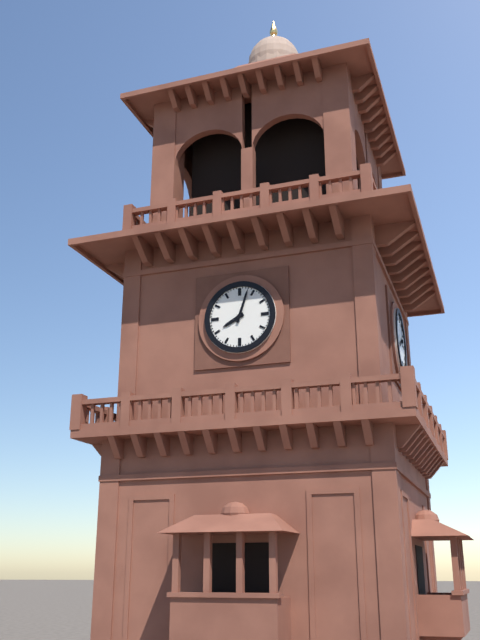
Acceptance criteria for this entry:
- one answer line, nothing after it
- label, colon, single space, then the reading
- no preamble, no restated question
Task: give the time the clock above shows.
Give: 8:03
